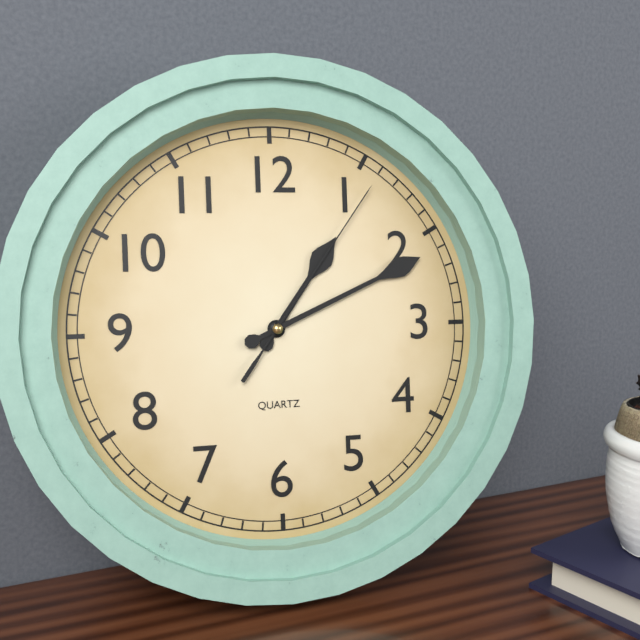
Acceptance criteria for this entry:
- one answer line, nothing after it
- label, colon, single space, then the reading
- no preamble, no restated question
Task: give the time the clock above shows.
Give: 1:11:06
